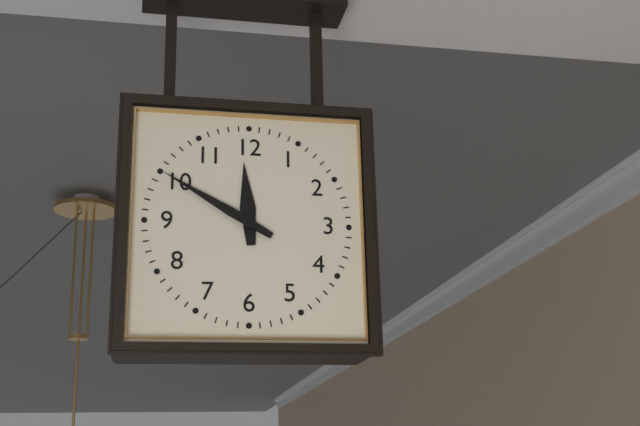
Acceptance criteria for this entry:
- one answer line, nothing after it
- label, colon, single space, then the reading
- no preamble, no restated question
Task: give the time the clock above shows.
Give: 11:50
